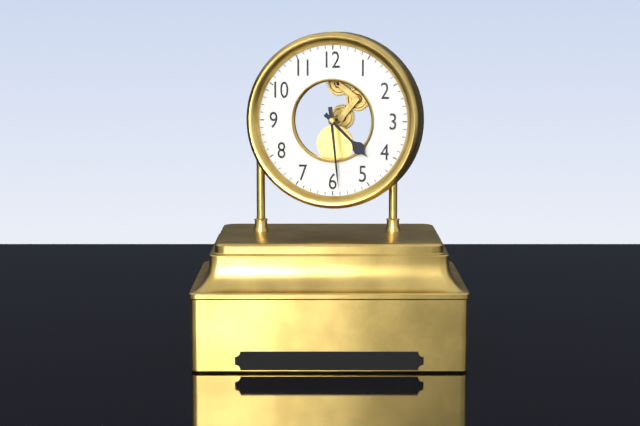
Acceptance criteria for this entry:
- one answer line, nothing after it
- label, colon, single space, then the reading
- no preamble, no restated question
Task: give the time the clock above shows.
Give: 4:29
